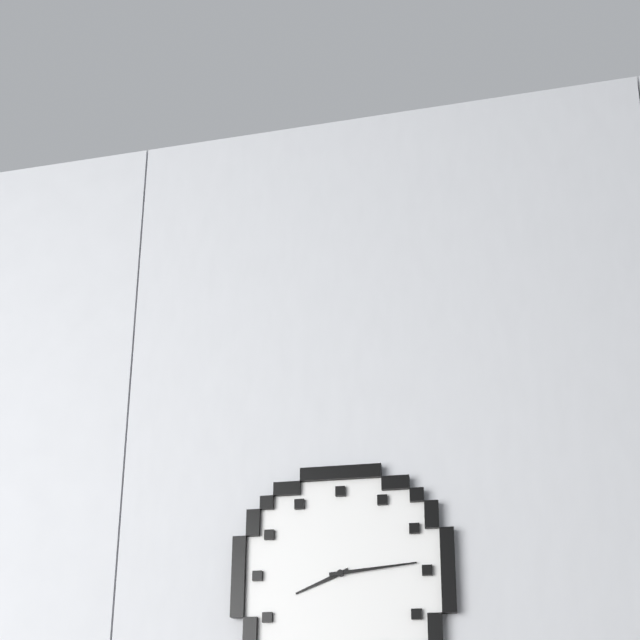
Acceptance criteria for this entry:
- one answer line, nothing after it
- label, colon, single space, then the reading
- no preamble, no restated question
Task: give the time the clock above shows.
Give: 8:14
